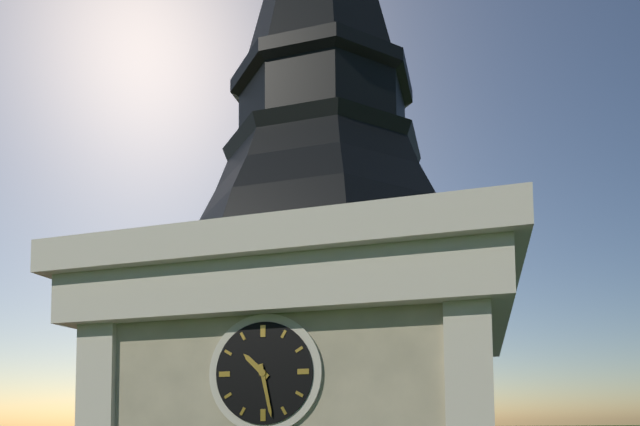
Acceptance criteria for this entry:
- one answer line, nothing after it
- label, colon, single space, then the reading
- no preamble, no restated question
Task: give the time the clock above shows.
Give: 10:28
